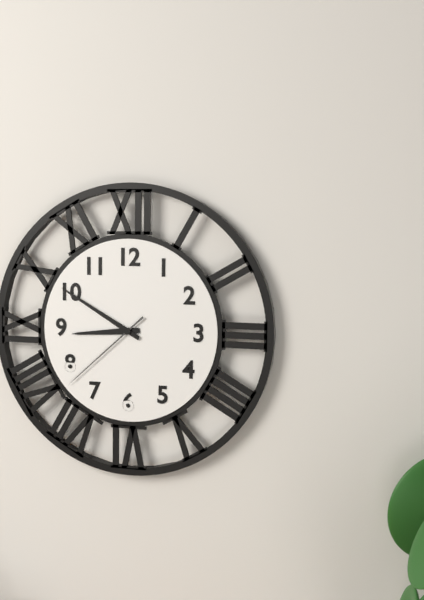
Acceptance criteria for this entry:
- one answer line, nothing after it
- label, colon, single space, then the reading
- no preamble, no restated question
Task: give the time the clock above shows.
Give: 8:50:38
